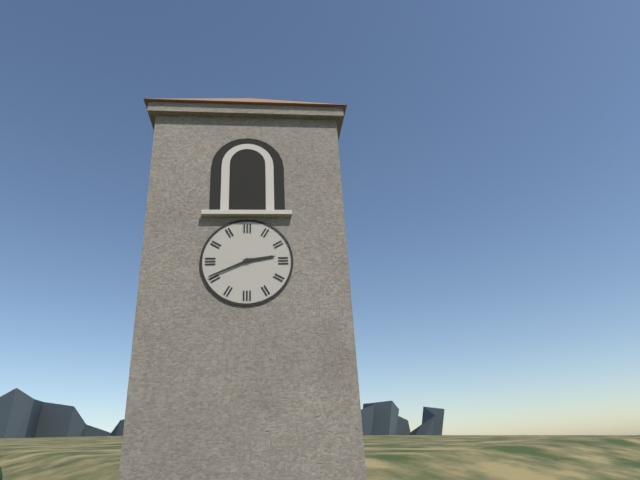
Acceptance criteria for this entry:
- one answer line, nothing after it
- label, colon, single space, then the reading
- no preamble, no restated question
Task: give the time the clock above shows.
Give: 2:41
